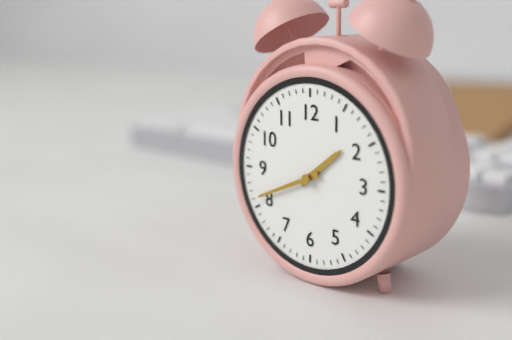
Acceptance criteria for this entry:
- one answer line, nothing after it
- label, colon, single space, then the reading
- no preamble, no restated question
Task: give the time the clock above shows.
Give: 1:41
